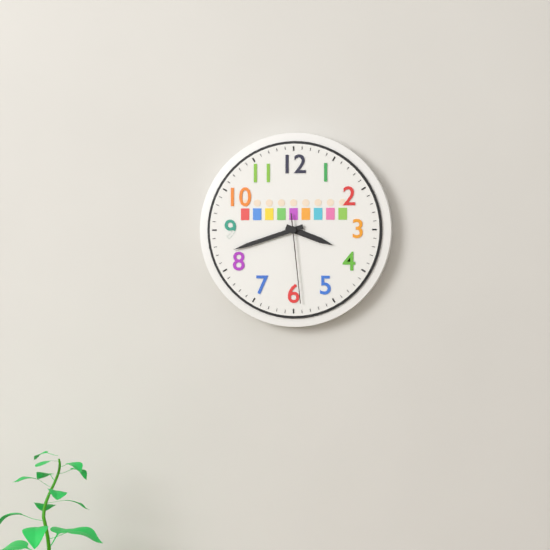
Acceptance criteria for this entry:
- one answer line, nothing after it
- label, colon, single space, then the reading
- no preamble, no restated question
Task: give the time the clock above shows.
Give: 3:42:29
